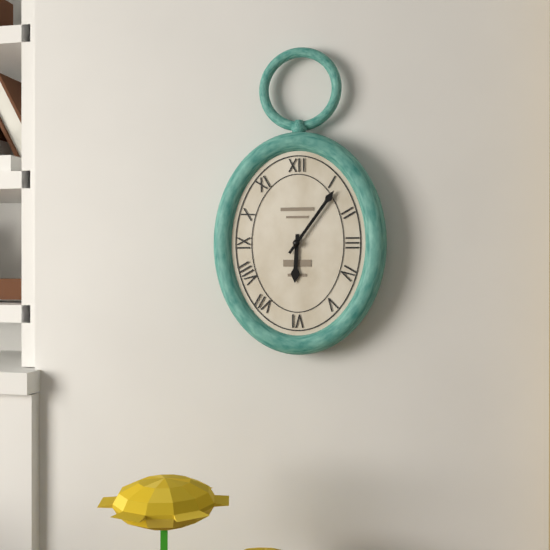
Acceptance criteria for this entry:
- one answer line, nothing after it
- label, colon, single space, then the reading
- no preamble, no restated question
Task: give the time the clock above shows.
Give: 6:06
